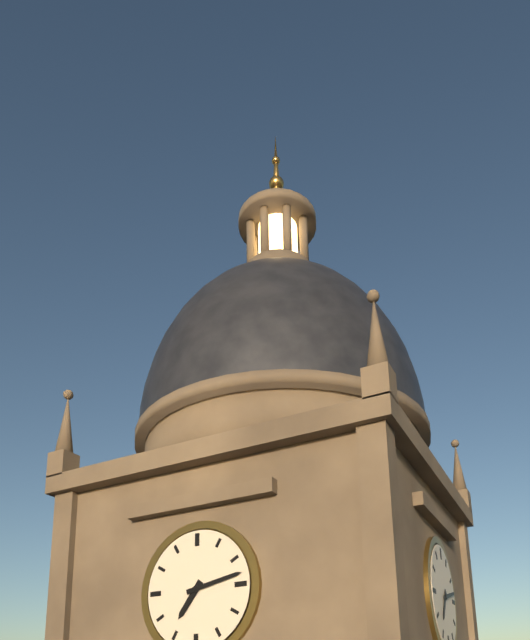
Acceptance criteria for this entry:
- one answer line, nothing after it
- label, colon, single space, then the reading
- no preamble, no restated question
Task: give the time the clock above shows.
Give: 7:13
